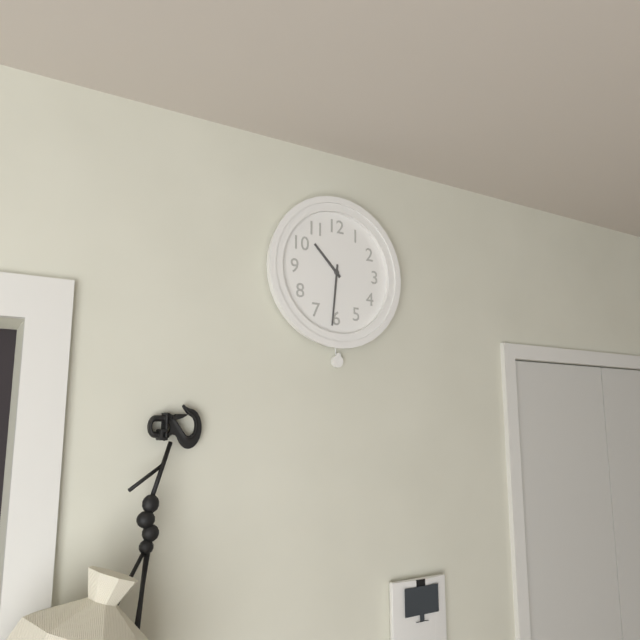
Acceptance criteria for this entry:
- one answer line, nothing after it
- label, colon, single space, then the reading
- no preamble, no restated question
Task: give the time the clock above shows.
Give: 10:31
